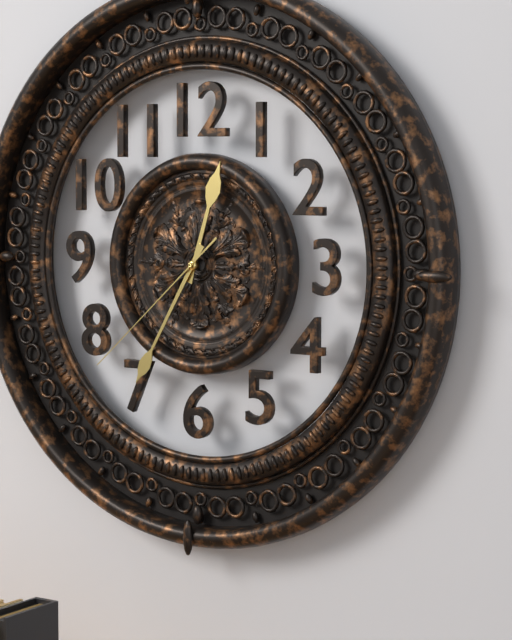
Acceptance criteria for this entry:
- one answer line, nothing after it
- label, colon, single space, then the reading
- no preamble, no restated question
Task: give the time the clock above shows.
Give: 12:35:38
